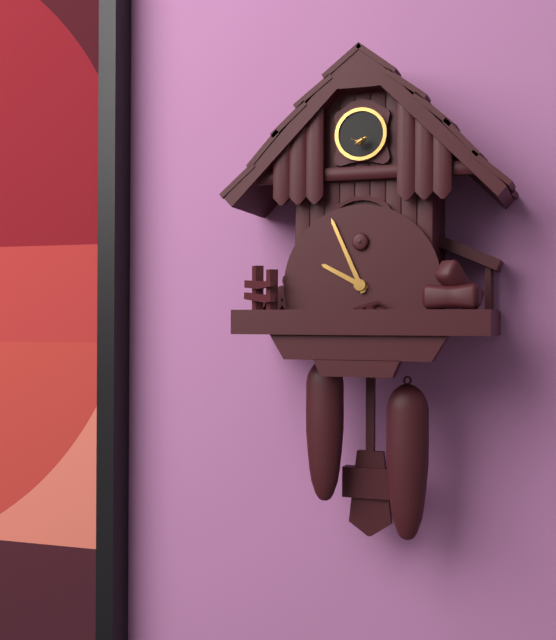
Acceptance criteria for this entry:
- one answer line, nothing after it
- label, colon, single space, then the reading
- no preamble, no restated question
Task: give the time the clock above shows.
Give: 9:56
